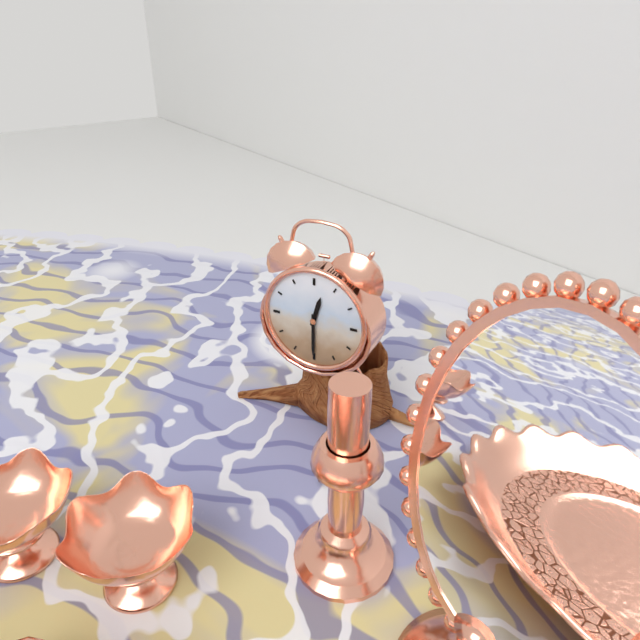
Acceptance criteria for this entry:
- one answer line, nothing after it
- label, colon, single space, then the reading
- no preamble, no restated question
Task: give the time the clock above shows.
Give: 12:30
